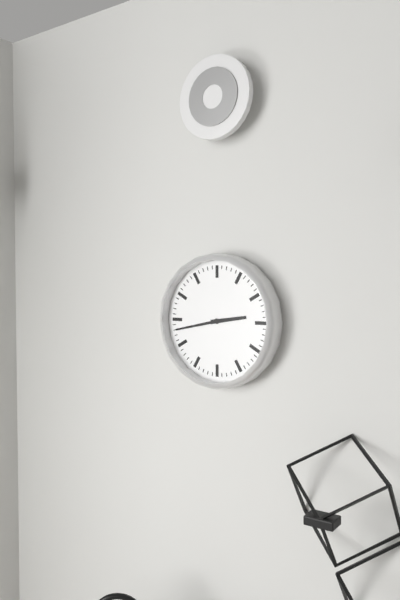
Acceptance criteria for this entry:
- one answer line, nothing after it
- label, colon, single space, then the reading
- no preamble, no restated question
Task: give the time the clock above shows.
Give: 2:43
